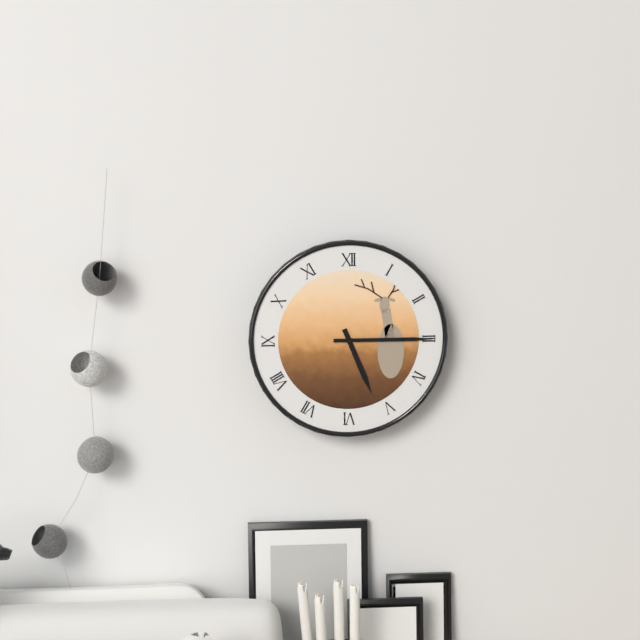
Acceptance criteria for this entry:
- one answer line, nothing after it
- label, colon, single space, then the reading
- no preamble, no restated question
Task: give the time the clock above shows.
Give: 5:15
